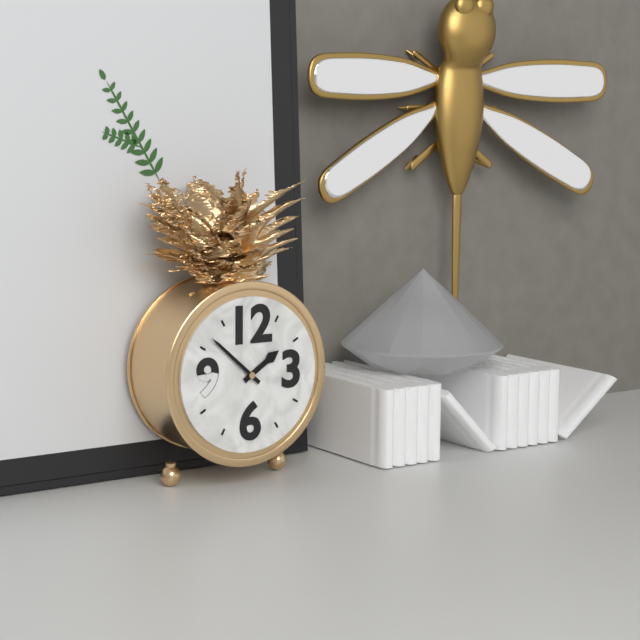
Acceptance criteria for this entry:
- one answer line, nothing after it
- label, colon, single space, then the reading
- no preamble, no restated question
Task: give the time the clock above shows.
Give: 1:52
